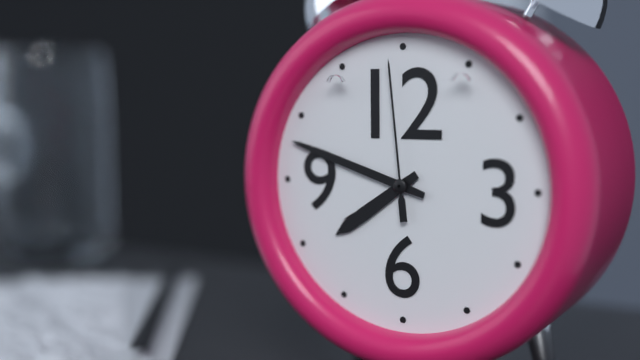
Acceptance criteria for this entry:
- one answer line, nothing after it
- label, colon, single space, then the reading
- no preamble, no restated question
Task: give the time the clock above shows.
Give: 7:48:59
